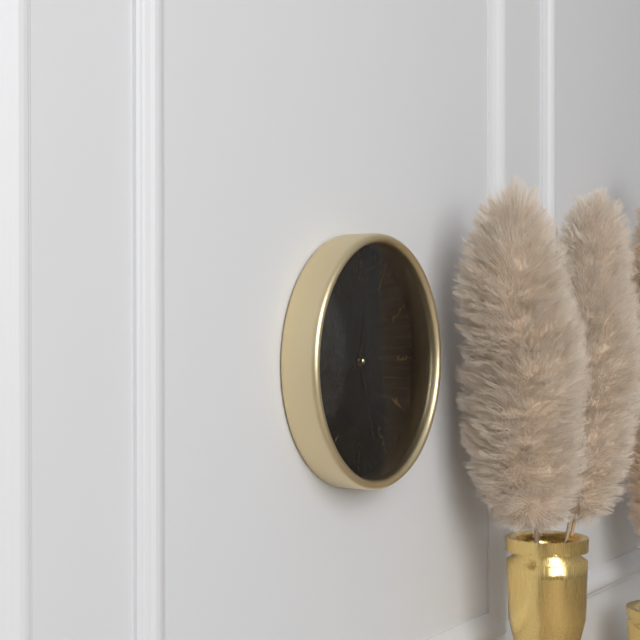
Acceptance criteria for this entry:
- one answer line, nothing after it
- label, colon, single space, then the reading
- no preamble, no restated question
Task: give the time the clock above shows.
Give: 12:27:41
